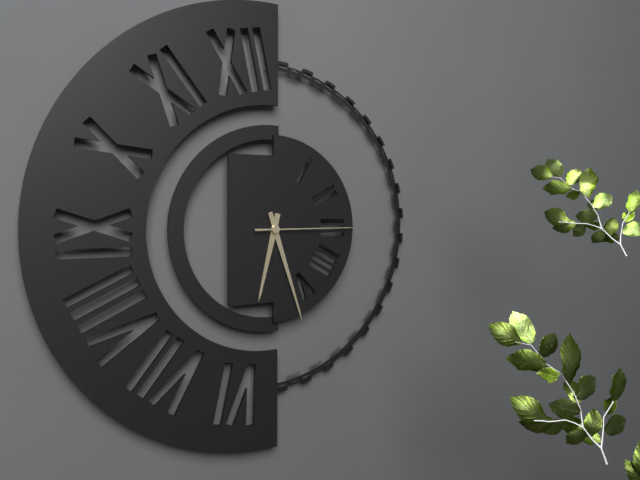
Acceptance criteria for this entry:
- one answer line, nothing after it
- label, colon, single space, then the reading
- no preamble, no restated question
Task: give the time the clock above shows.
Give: 6:27:15
